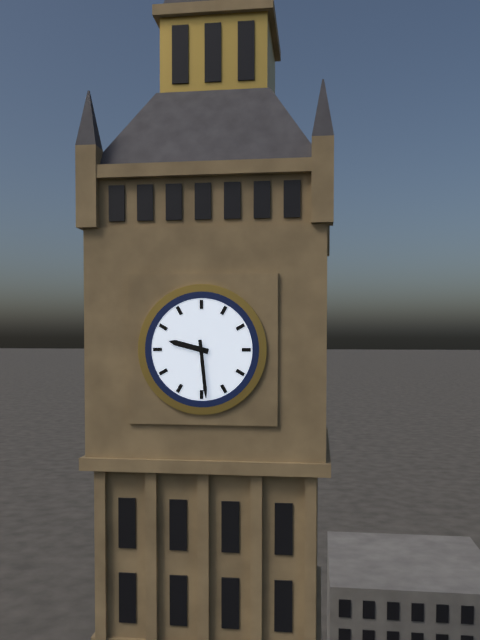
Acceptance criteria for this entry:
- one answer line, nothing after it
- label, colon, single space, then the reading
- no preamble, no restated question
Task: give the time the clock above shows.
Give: 9:29
